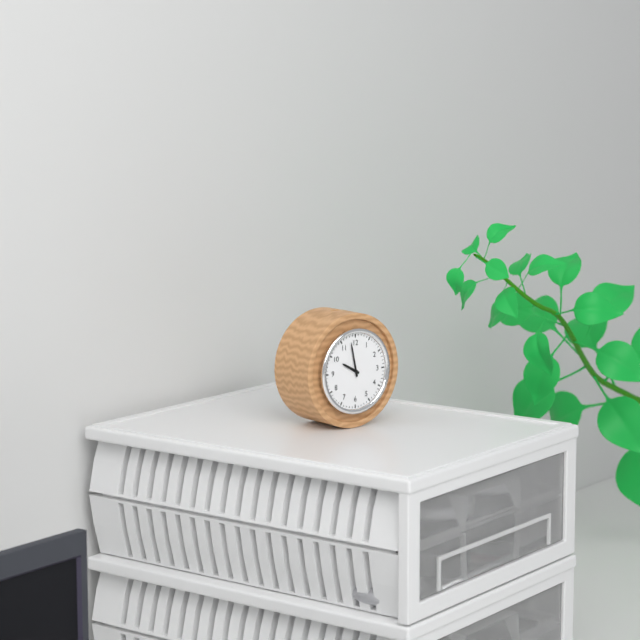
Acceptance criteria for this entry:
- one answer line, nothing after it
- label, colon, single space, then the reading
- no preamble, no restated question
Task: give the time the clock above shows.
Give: 9:58
